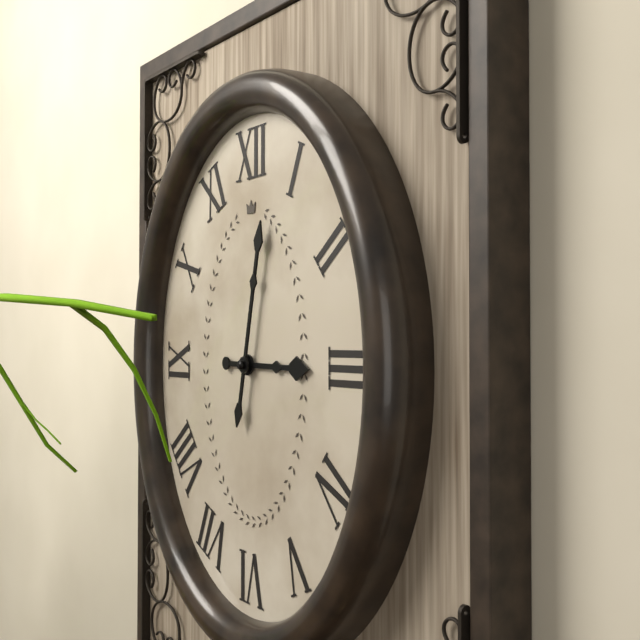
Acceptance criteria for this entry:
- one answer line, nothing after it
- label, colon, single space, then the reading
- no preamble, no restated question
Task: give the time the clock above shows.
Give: 3:02
